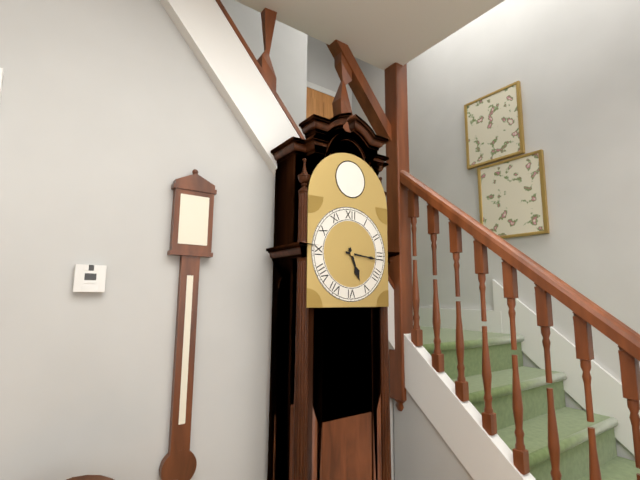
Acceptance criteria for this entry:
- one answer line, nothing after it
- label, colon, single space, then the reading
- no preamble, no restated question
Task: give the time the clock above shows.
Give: 5:16
